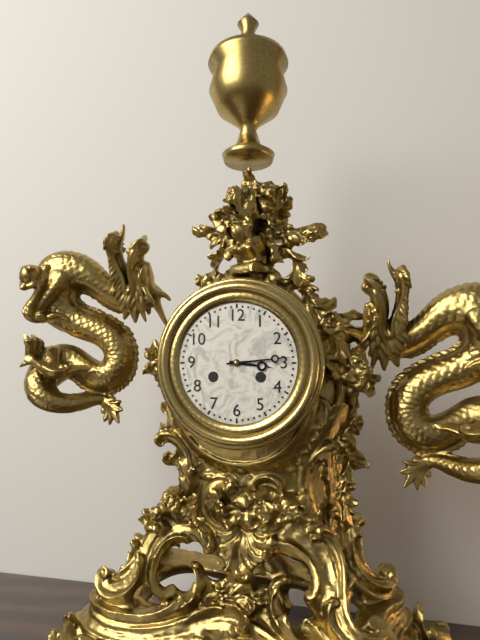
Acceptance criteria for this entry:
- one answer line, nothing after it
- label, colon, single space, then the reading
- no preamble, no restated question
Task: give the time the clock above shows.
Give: 3:14
